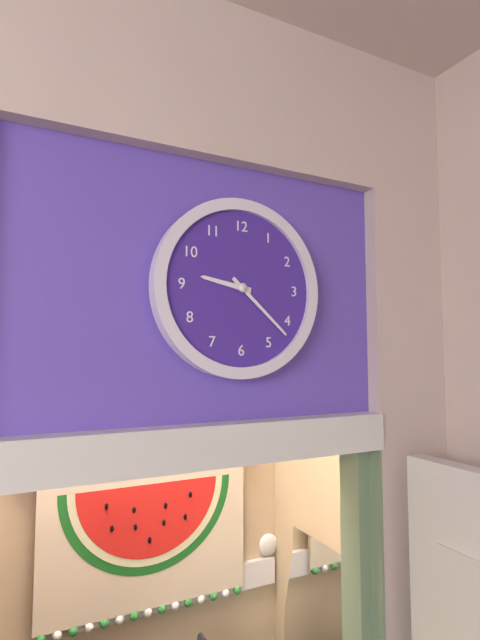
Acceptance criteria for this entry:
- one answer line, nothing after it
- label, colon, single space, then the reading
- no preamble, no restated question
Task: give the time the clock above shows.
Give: 9:22
